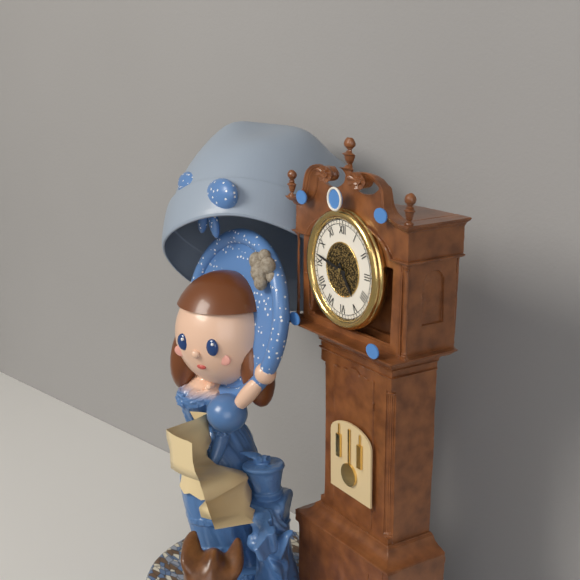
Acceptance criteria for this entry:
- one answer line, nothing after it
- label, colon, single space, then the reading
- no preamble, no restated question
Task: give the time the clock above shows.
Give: 4:47
